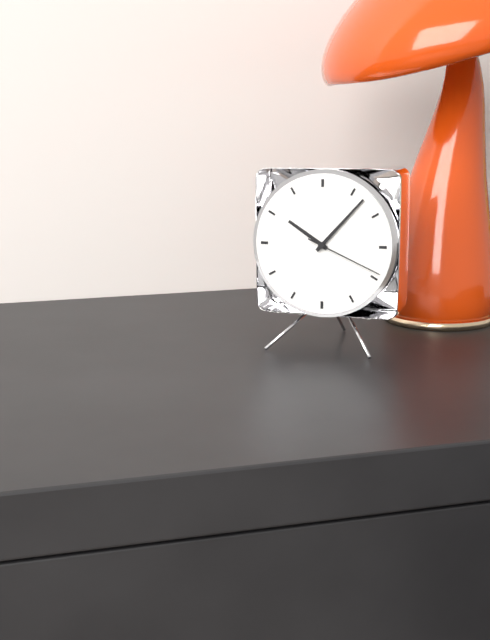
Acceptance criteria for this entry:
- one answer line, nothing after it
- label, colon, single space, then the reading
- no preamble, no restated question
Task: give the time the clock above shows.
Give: 10:07:19
